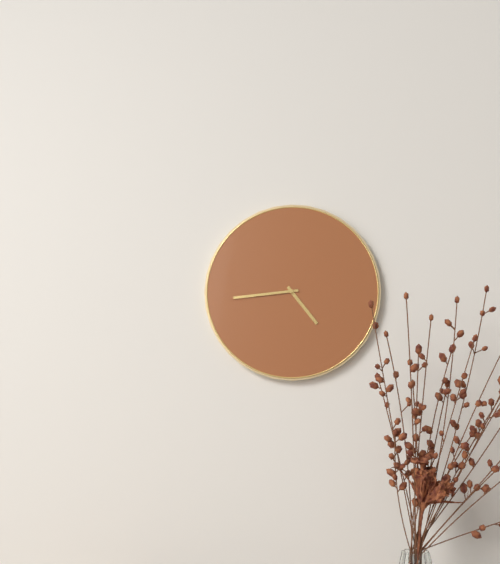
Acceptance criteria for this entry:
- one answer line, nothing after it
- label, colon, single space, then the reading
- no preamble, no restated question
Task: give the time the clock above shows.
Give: 4:44
